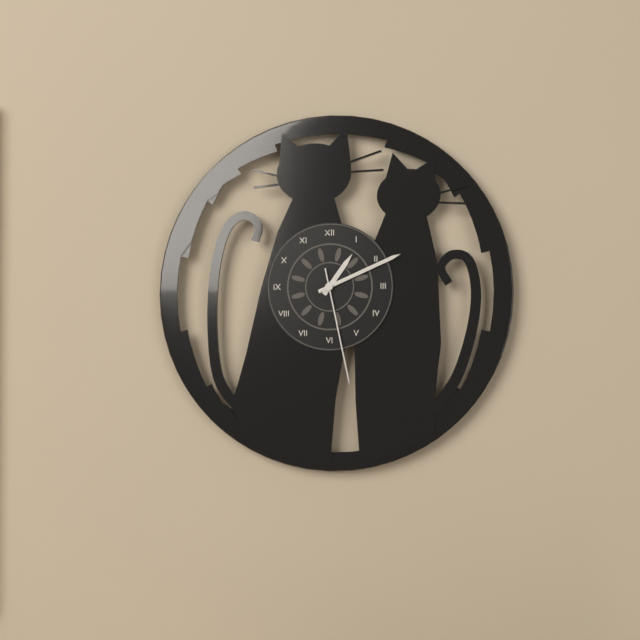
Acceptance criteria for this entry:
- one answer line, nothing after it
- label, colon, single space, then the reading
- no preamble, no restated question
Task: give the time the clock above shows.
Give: 1:11:28
